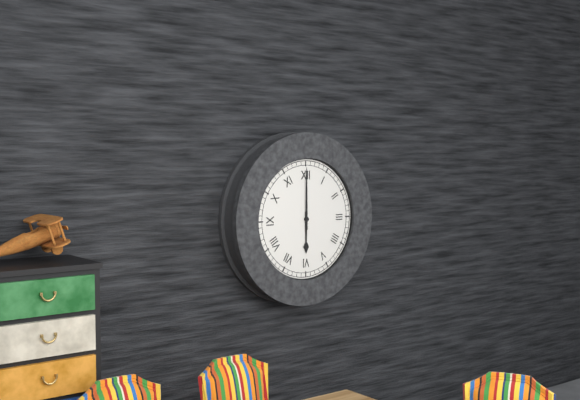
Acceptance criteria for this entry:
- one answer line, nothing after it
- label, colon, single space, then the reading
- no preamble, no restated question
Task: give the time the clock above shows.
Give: 6:00
